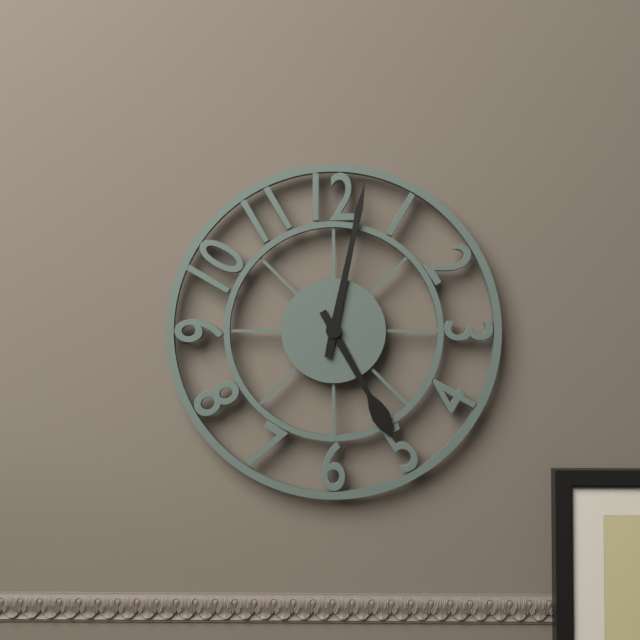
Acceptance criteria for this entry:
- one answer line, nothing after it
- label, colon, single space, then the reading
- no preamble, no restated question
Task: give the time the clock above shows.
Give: 5:02
